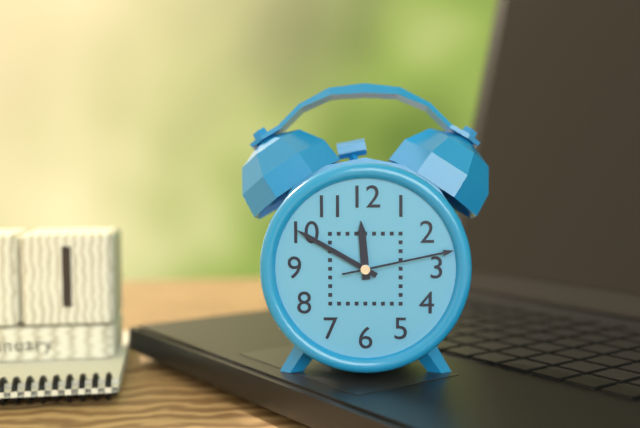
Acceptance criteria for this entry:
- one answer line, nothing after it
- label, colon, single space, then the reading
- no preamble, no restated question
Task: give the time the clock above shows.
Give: 11:50:13
